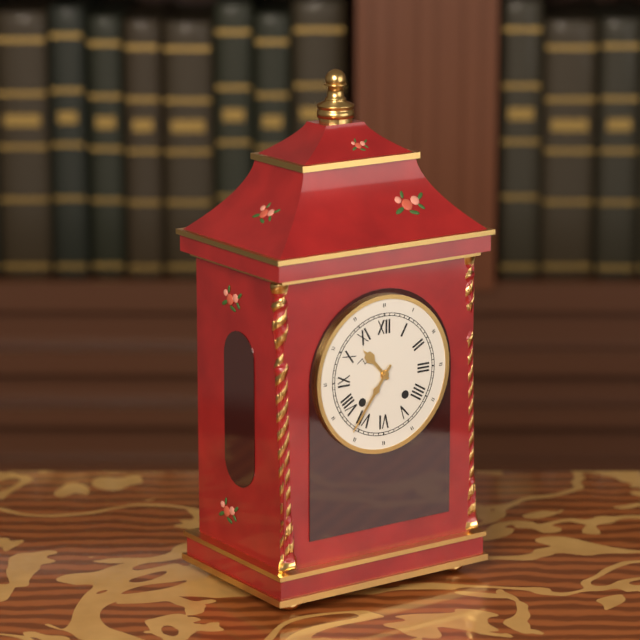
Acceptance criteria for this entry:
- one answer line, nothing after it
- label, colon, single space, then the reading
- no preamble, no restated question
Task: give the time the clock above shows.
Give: 10:36
